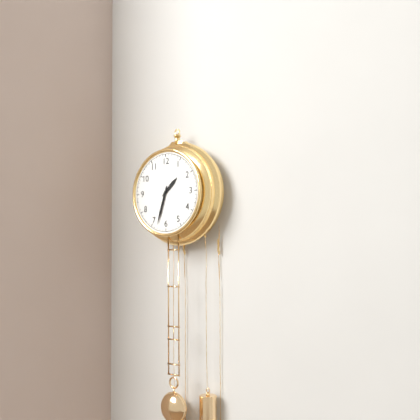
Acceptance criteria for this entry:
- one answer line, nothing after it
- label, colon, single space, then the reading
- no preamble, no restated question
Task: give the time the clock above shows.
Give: 1:33
